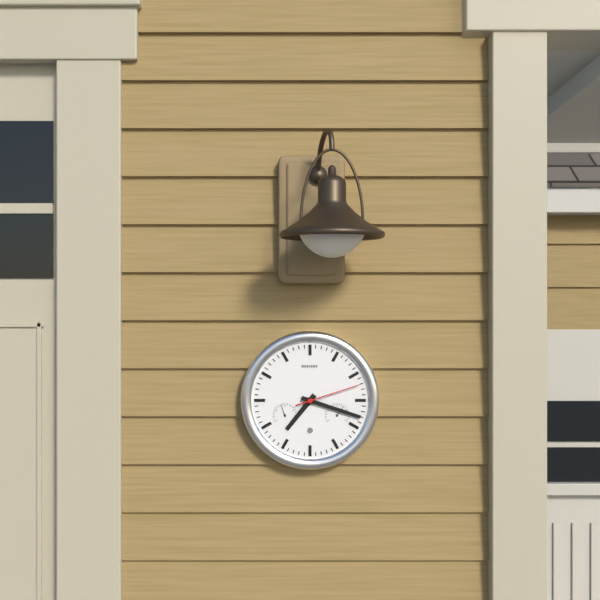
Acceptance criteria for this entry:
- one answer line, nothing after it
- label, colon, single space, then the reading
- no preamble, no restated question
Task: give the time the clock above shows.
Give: 7:18:12
